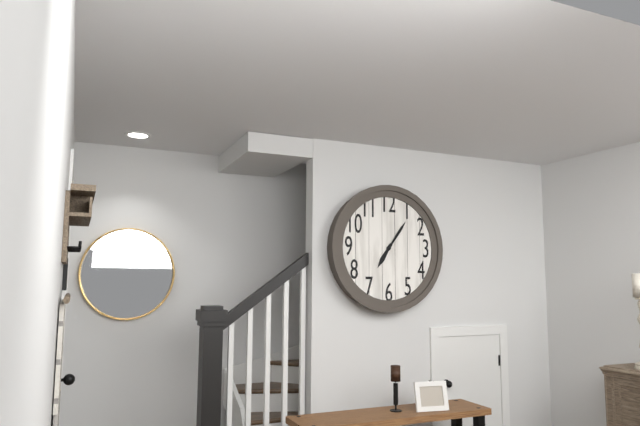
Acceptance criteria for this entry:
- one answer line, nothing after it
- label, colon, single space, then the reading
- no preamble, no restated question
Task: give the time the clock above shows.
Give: 7:06
